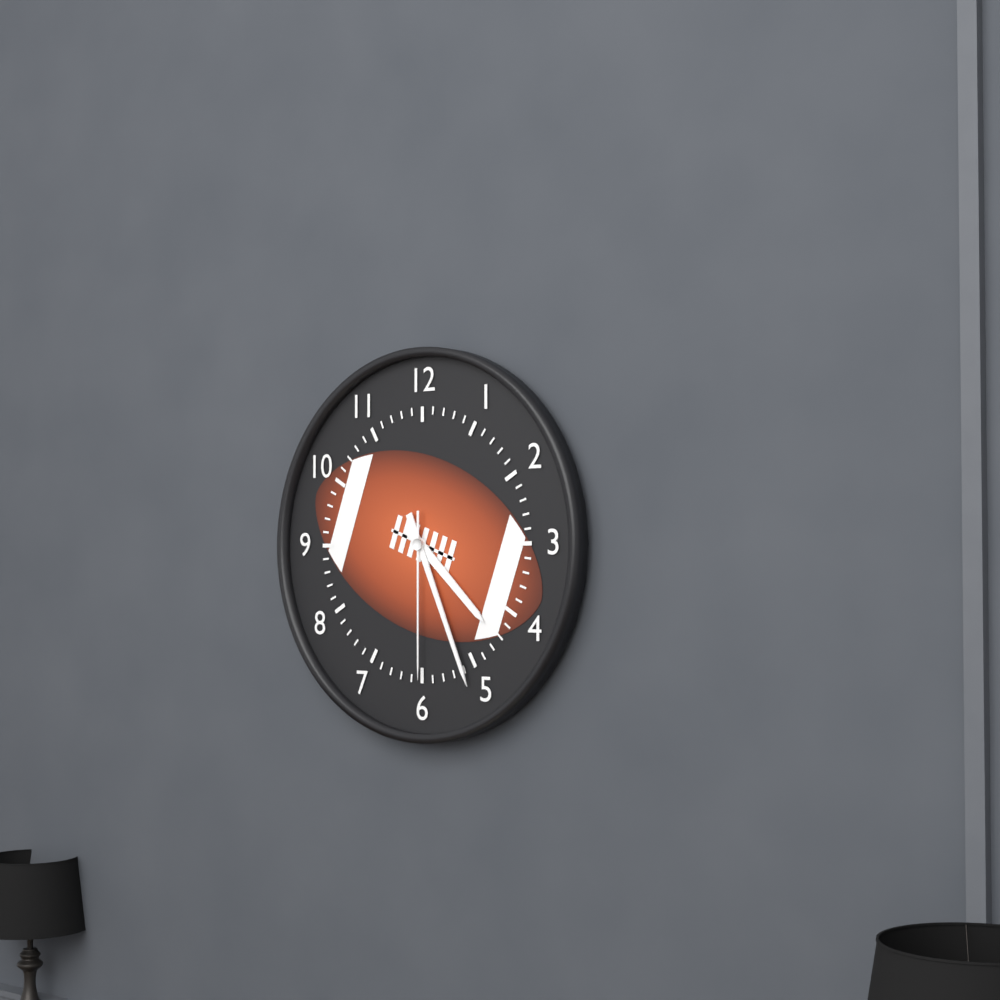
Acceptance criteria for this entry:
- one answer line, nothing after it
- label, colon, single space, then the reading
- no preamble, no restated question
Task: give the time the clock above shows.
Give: 4:26:30
